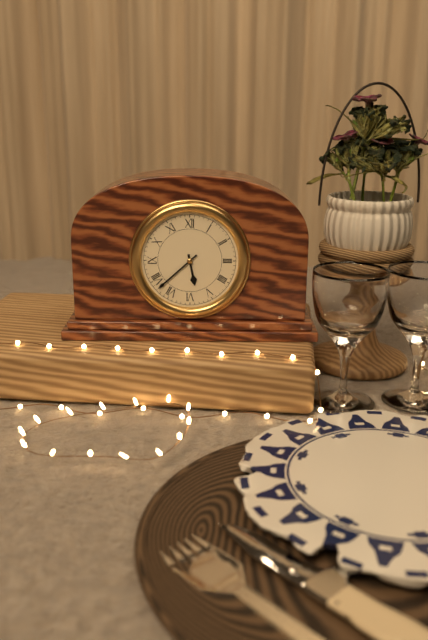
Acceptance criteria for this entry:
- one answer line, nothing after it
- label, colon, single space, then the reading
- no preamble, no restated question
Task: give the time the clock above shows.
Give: 5:38
